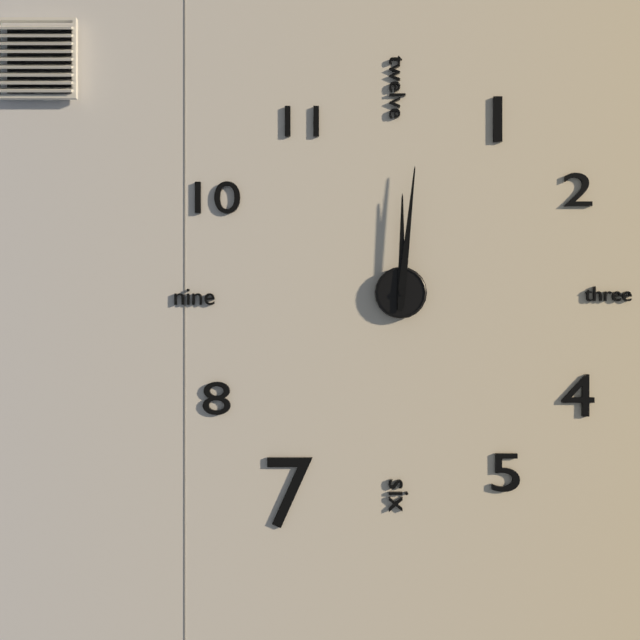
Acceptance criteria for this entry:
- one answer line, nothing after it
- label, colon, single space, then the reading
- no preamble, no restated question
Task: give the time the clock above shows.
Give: 12:01
